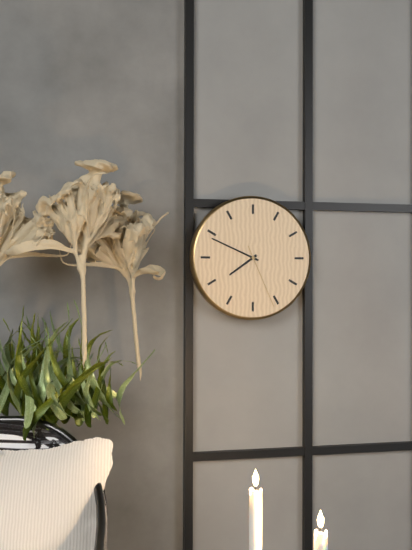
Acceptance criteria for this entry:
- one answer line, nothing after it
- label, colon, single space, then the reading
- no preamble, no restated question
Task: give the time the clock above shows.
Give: 7:49:26
